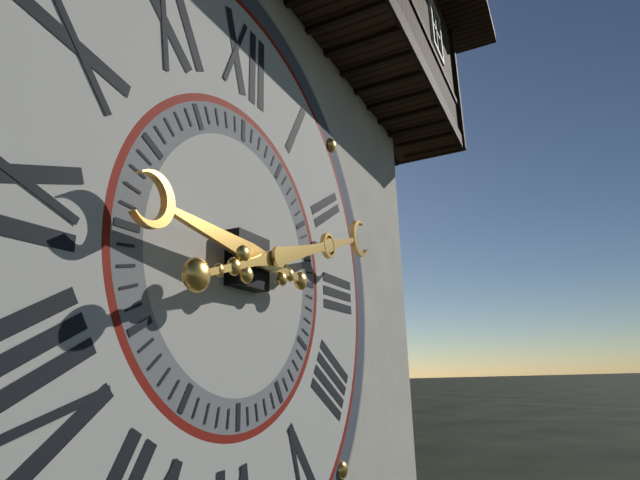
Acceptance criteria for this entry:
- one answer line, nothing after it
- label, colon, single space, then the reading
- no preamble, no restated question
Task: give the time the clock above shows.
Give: 9:12
